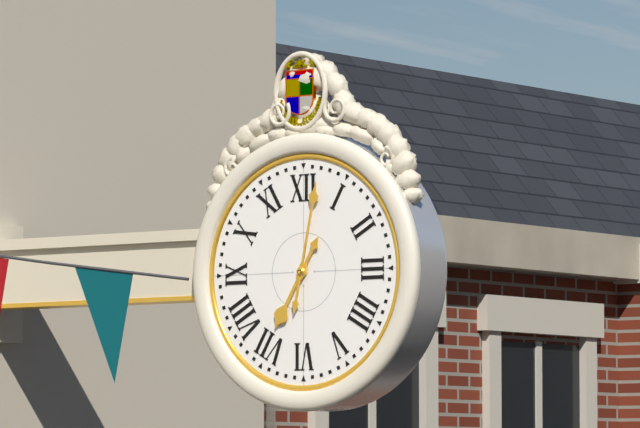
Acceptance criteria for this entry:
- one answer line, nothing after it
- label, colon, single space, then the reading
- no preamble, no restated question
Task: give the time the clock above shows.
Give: 7:02
